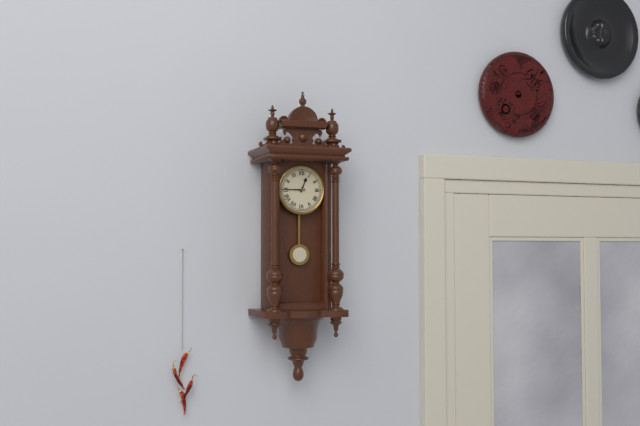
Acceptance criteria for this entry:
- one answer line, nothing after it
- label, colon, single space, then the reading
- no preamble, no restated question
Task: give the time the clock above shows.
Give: 12:45
